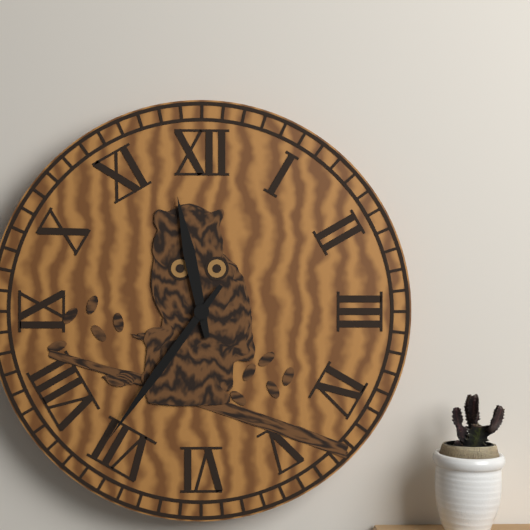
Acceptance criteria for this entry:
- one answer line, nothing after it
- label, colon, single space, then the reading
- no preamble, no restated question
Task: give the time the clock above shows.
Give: 11:36
